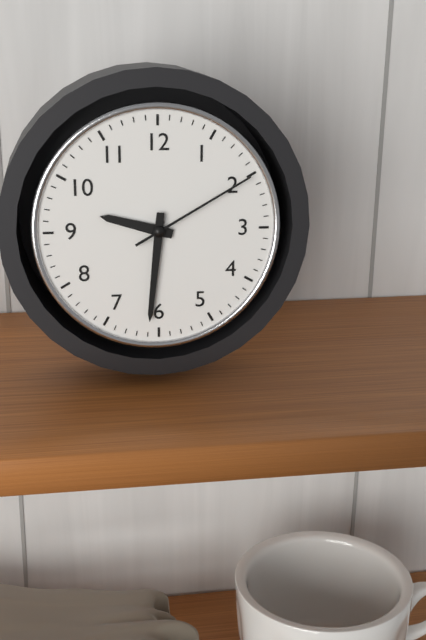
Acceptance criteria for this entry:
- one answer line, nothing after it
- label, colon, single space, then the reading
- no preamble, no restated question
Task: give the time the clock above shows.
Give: 9:31:10
